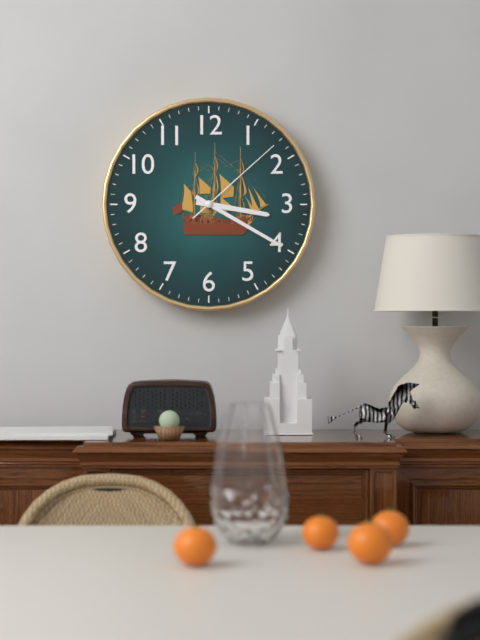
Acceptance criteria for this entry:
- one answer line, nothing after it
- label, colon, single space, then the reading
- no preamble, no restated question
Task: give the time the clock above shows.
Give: 3:20:08
